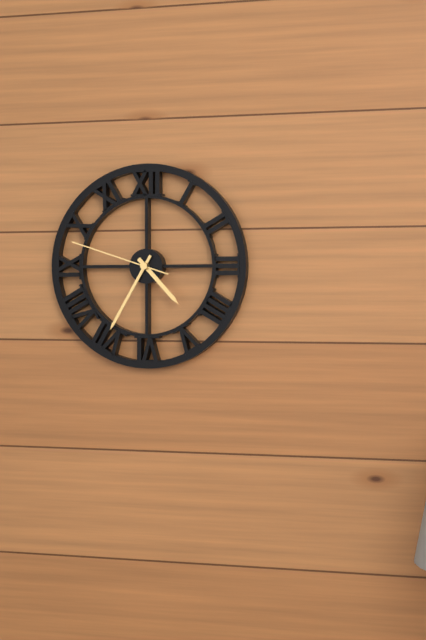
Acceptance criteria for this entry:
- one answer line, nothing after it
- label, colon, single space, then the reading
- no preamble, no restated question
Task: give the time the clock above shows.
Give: 4:35:48
